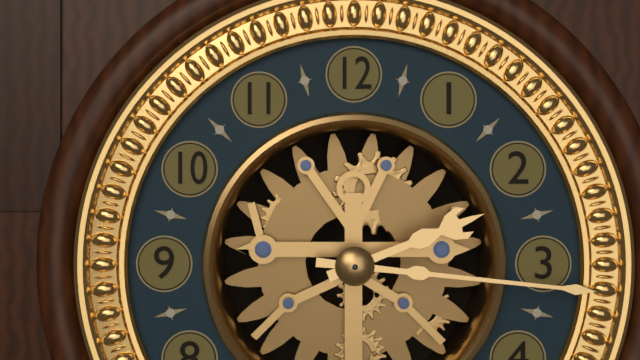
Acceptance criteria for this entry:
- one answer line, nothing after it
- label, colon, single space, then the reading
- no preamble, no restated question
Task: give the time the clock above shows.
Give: 2:16
